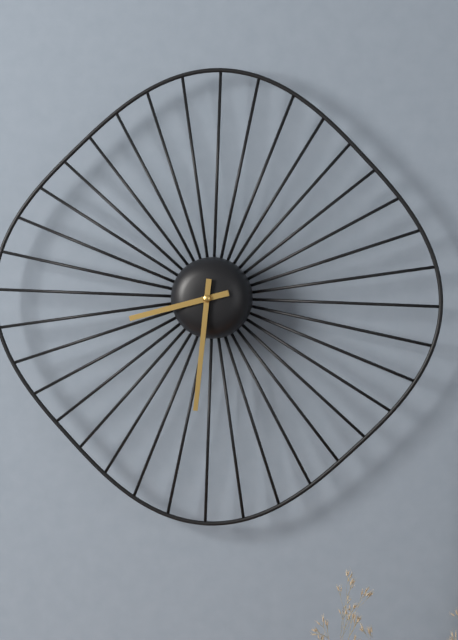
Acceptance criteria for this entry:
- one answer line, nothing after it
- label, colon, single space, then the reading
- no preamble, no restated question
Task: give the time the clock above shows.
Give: 8:31
